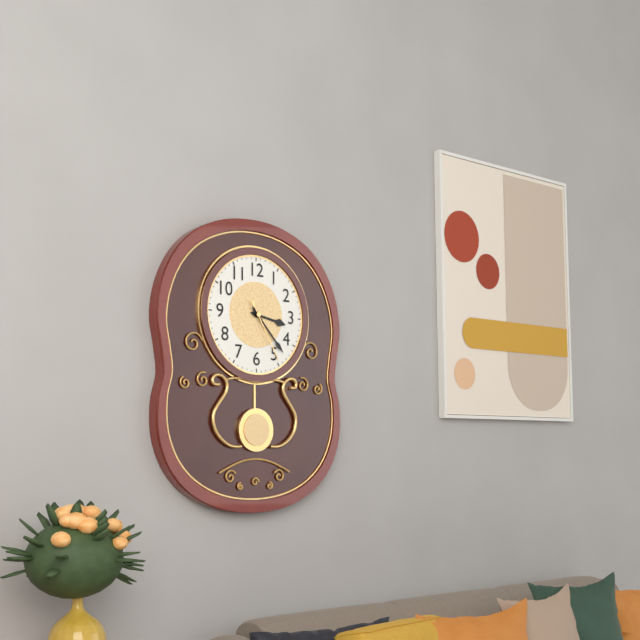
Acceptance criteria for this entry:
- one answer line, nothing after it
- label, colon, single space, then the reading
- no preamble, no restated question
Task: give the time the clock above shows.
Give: 3:23:25
